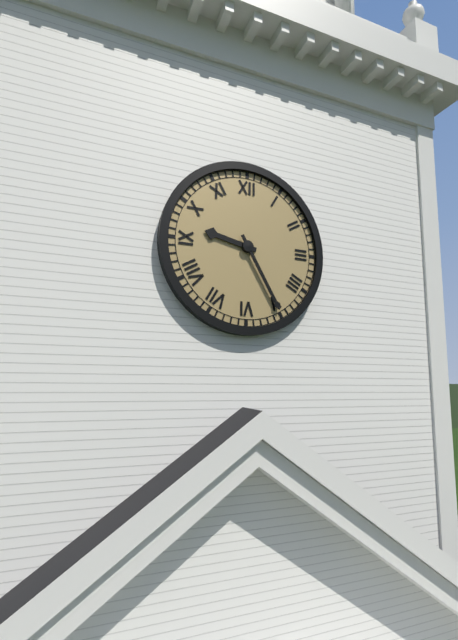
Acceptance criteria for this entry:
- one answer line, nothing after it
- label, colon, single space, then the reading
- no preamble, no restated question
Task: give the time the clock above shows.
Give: 9:25
